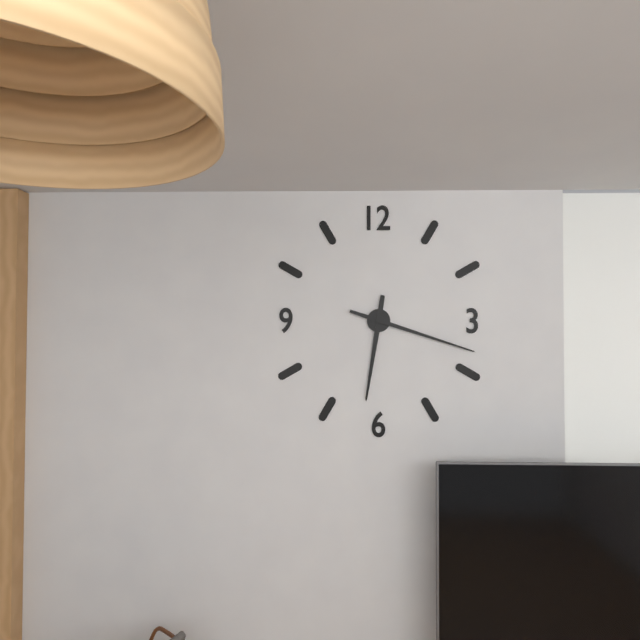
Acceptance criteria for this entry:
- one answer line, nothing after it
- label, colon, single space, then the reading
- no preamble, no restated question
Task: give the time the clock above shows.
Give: 6:18
